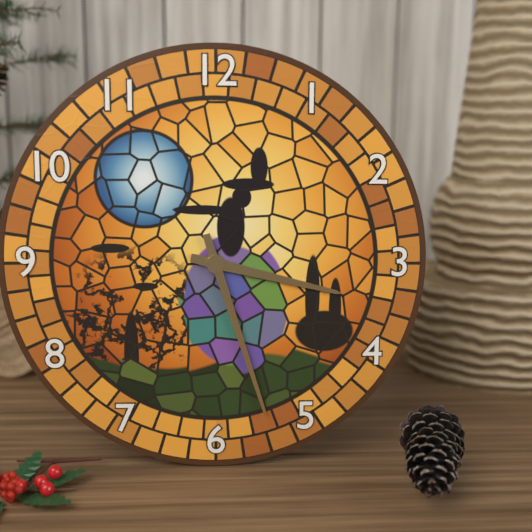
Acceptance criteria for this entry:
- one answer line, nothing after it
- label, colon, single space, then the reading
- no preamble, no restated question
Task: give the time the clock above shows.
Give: 3:27
